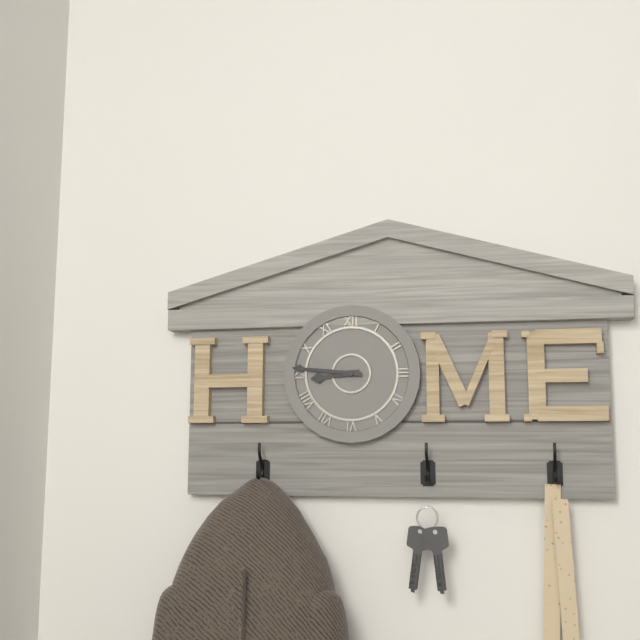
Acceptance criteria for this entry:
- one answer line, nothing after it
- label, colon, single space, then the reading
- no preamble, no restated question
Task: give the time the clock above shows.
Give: 8:46
